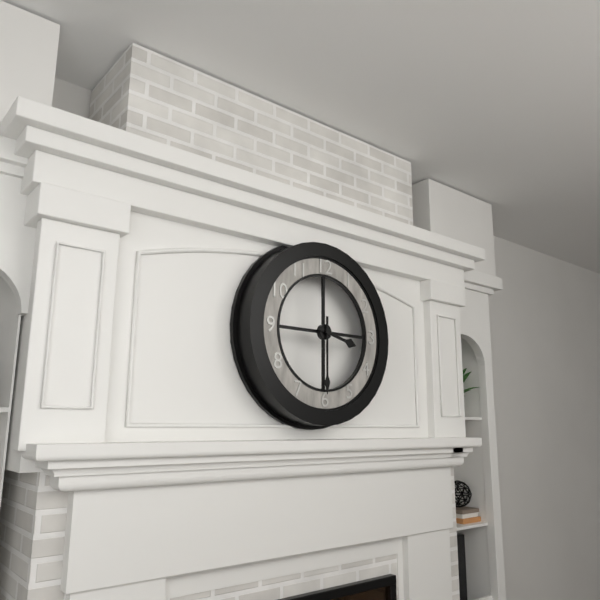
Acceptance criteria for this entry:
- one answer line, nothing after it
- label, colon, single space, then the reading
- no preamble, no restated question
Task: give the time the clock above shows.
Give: 3:30
